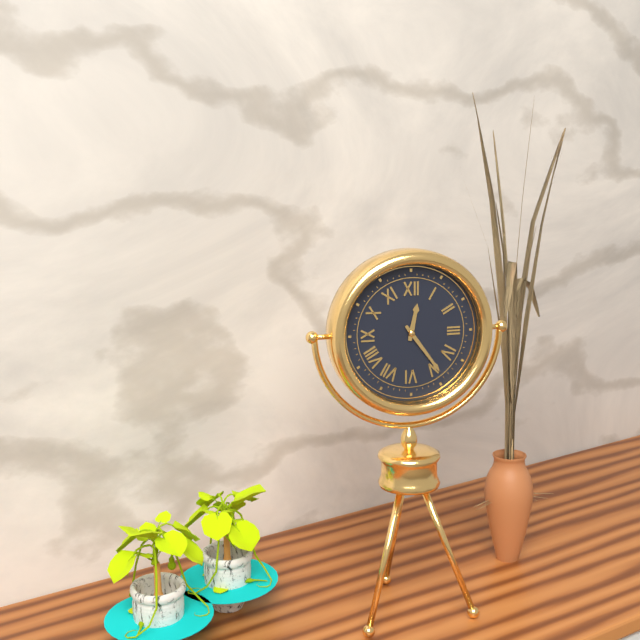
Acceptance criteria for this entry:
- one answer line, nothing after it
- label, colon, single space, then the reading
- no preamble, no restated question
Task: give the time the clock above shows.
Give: 12:24
